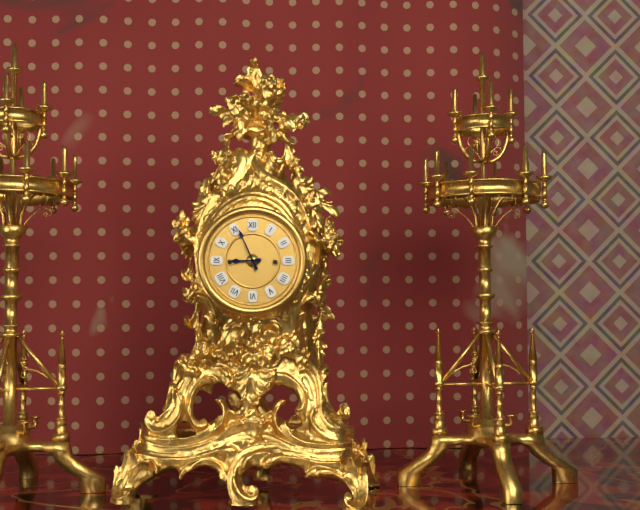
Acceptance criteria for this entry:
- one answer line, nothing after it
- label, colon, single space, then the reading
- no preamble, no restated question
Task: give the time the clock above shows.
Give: 8:56
